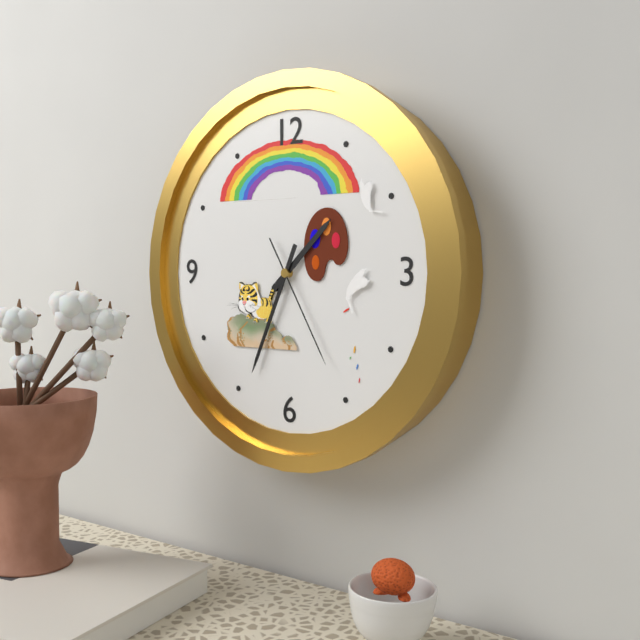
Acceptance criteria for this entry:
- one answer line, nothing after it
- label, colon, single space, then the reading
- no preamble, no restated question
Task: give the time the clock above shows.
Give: 1:34:25
